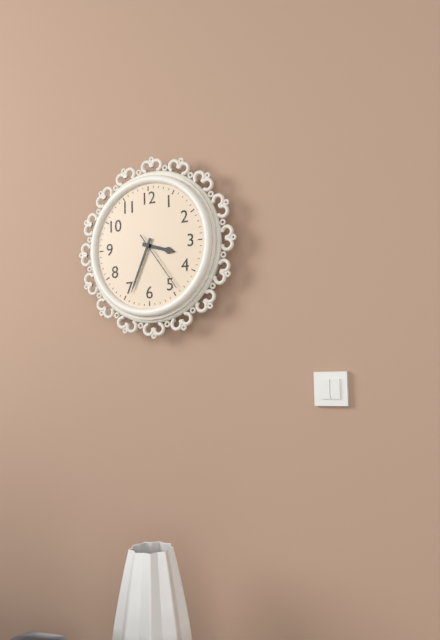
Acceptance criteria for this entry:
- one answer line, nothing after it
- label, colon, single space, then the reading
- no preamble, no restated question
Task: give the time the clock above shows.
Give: 3:34:24
